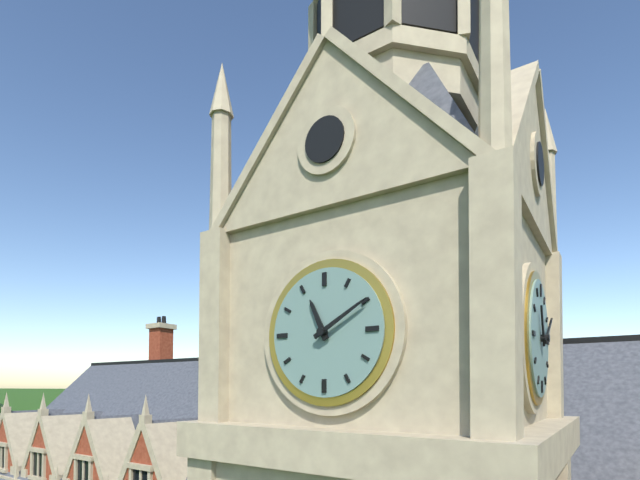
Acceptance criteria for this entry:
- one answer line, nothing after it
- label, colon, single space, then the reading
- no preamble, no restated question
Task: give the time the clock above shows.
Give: 11:10
